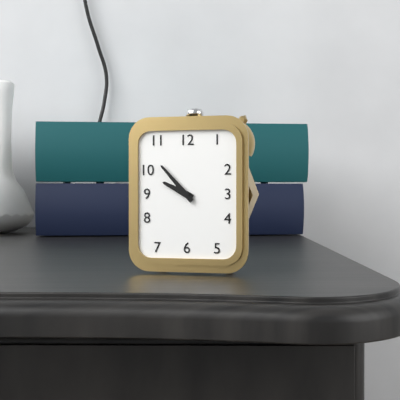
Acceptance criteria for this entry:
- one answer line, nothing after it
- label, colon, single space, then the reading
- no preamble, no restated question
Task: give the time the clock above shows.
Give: 9:53
